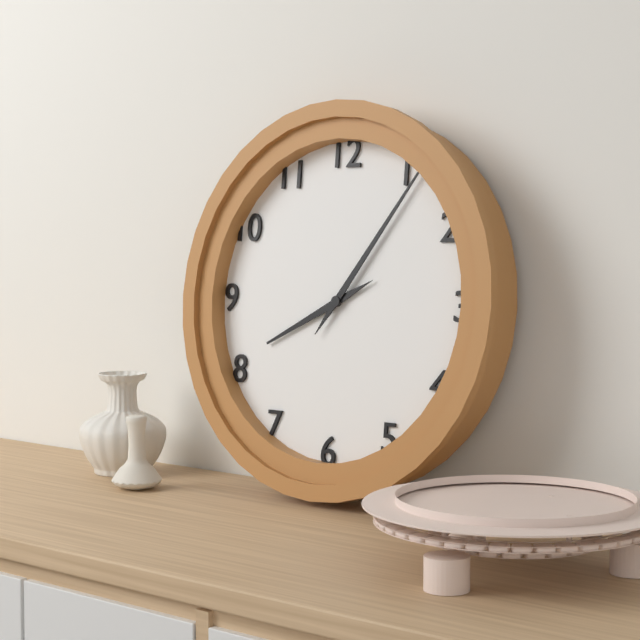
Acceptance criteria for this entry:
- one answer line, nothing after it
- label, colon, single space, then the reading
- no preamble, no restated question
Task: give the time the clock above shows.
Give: 8:06
